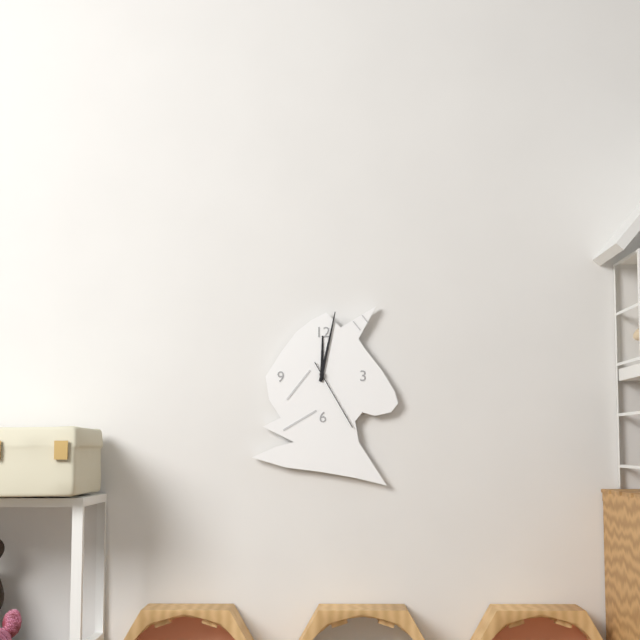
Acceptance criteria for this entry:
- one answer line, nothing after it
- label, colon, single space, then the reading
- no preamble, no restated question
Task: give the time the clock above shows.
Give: 12:02:25
